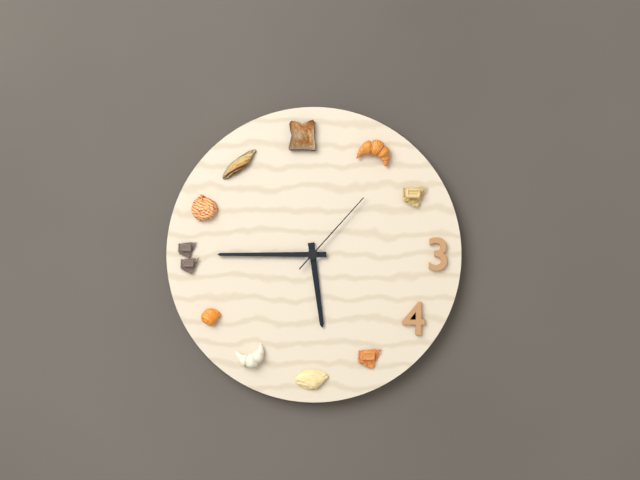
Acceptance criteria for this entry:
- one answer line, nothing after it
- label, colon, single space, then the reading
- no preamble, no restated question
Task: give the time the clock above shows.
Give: 5:45:07
